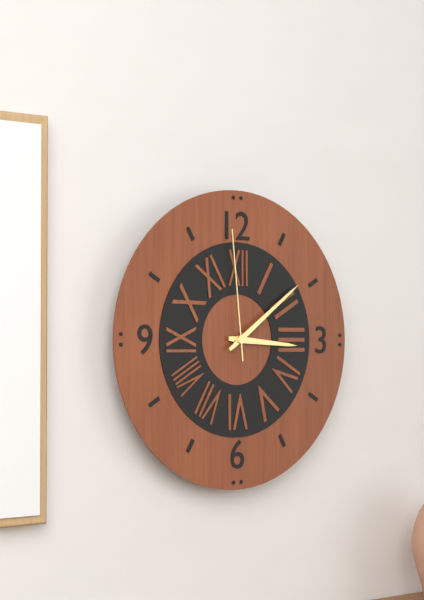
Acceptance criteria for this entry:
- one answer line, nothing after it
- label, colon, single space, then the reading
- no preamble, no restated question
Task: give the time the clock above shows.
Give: 3:09:59
